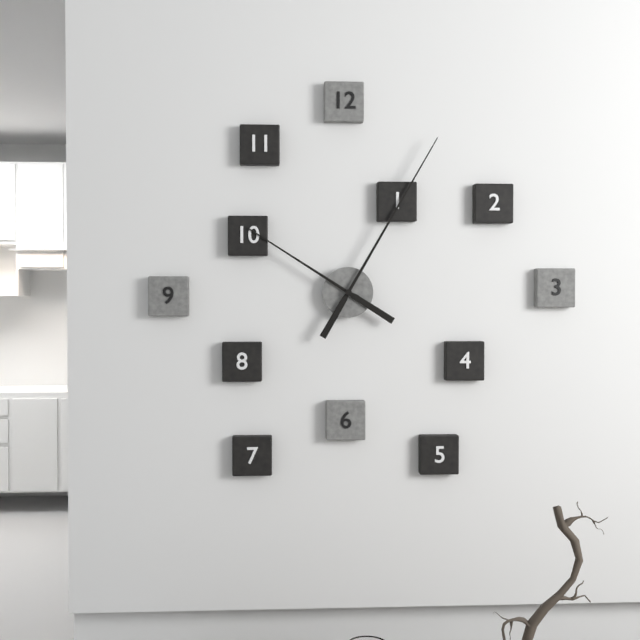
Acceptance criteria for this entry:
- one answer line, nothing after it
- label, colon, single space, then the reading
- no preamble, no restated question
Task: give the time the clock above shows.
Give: 10:05
